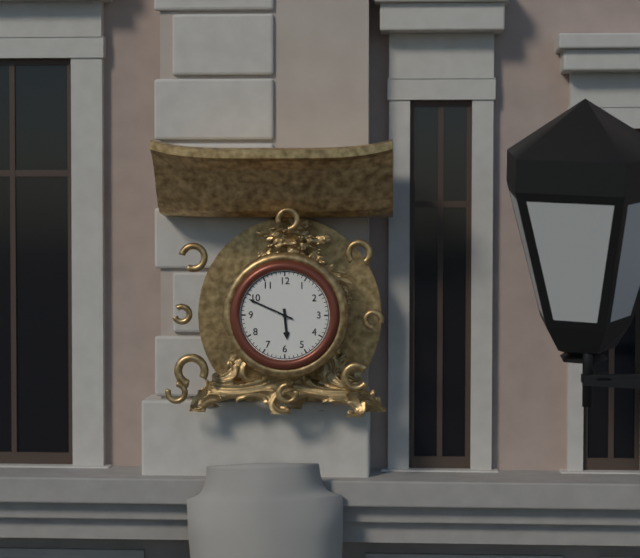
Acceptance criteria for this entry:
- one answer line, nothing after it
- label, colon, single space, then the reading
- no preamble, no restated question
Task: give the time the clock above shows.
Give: 5:49
